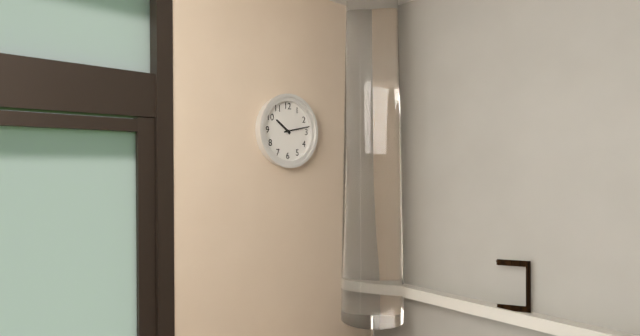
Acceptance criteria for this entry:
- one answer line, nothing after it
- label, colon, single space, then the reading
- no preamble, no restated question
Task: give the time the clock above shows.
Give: 10:13
